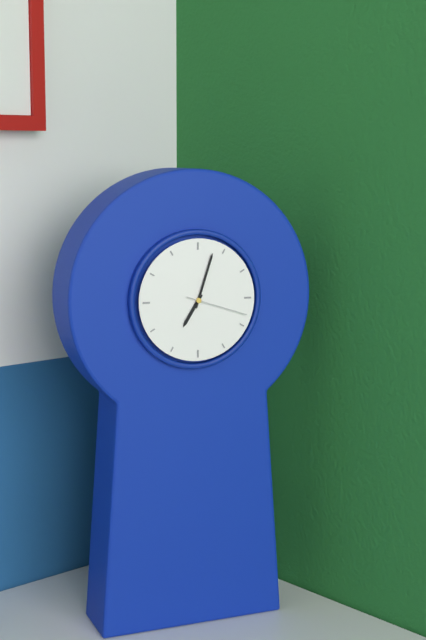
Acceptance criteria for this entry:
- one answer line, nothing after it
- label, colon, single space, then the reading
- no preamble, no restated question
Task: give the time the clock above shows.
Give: 7:03:18
